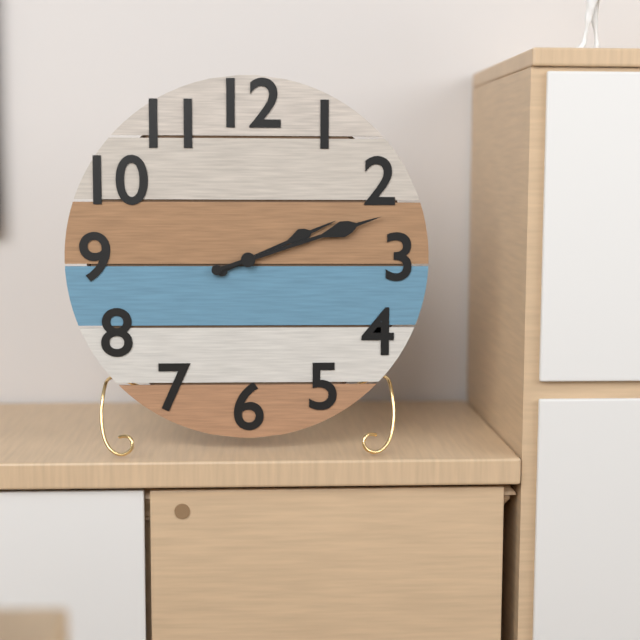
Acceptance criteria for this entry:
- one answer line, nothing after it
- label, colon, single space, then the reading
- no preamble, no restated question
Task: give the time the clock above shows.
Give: 2:12
